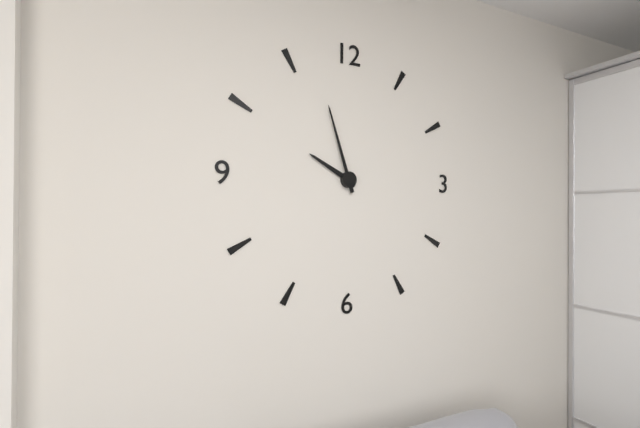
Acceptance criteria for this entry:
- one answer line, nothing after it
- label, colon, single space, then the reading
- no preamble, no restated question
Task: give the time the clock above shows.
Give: 9:57
